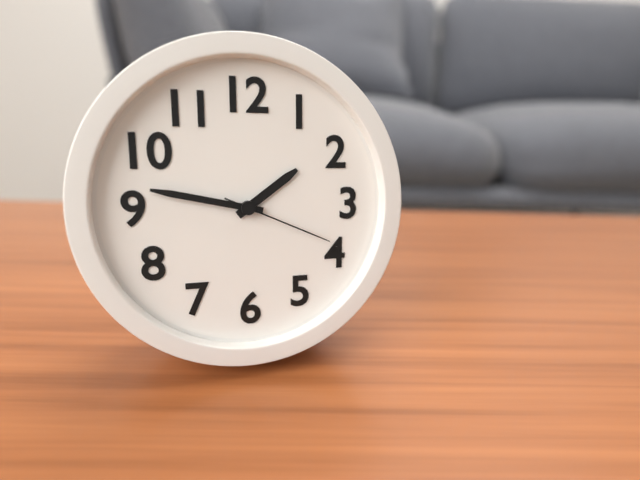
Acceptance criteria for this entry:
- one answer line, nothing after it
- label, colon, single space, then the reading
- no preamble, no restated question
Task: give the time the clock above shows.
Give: 1:47:19
